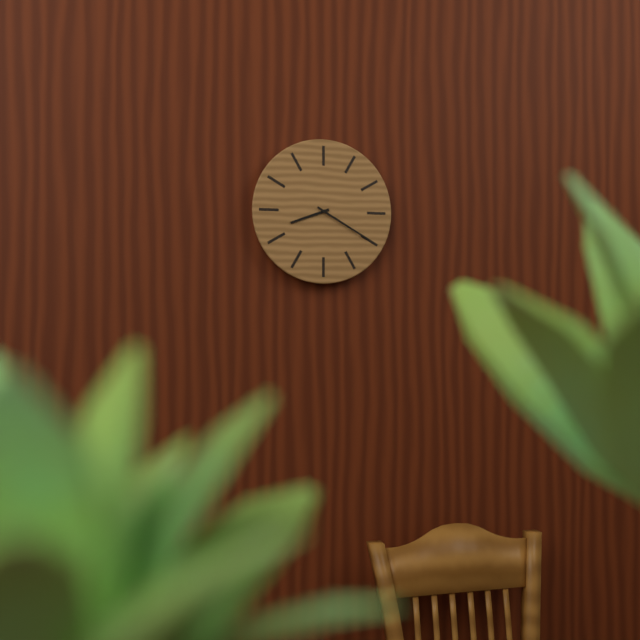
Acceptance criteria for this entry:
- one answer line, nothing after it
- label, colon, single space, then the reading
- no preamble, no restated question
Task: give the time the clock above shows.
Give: 8:20
